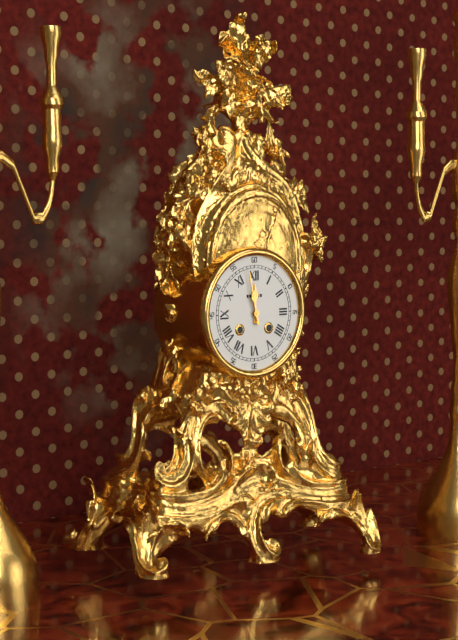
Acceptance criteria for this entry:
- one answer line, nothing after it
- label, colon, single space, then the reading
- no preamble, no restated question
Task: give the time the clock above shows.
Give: 11:58
